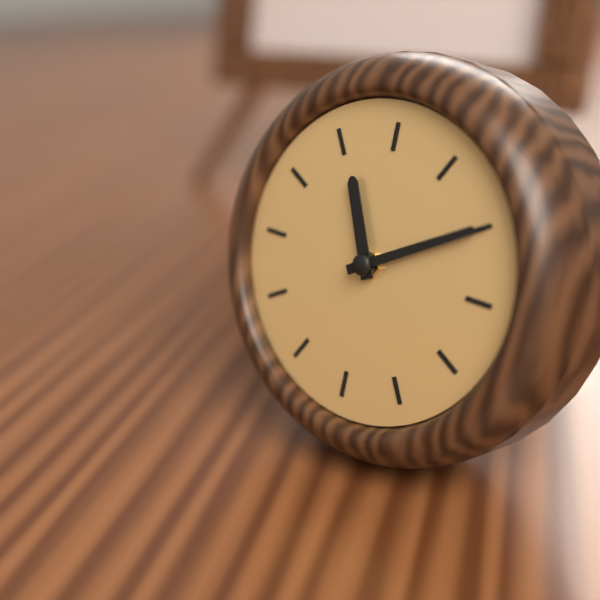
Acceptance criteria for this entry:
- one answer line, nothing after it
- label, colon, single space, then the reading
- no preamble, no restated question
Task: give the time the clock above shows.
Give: 11:10
